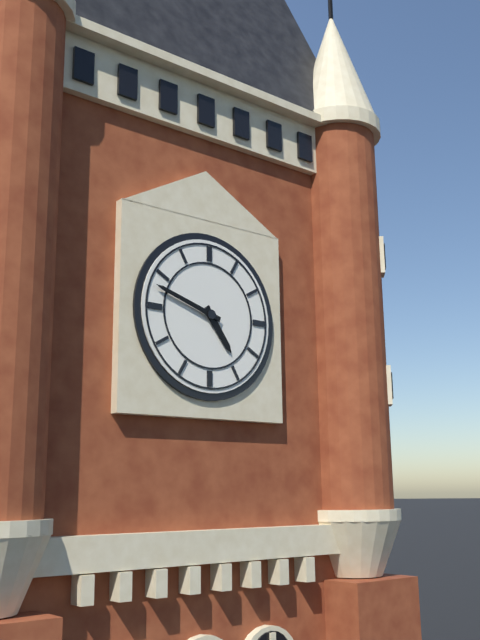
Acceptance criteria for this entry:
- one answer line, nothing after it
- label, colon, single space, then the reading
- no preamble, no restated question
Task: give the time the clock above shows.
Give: 4:48
